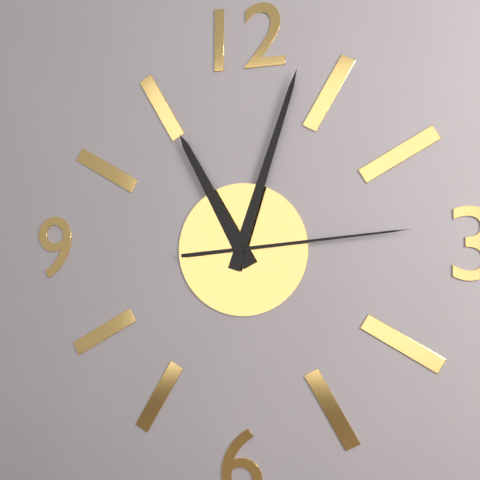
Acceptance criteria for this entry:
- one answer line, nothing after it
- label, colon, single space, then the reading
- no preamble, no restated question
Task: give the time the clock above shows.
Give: 11:03:14
